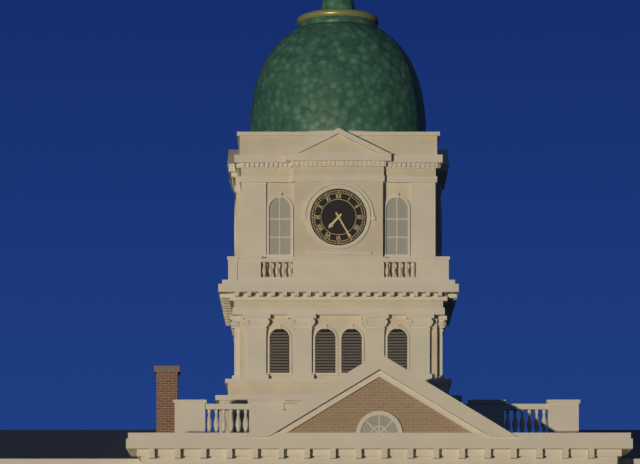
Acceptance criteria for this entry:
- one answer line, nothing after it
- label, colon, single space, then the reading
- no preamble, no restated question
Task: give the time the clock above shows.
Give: 7:25
